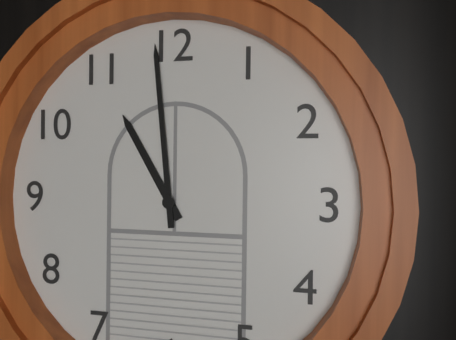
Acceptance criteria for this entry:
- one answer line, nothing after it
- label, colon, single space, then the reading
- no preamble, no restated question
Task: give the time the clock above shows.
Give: 10:59
